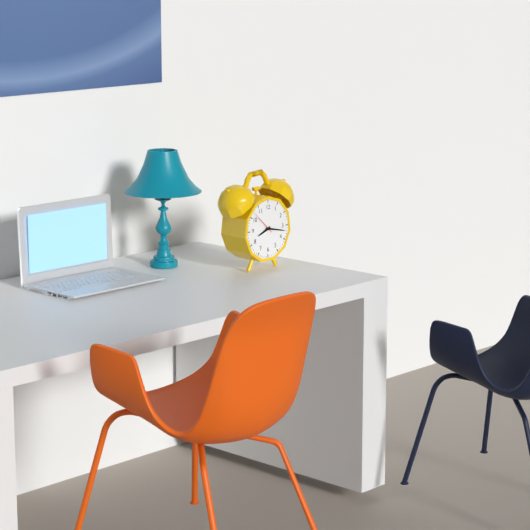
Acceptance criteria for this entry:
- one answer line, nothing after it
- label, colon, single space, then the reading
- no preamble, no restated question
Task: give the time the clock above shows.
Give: 8:17
